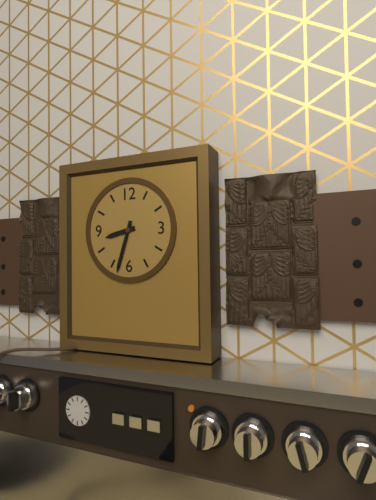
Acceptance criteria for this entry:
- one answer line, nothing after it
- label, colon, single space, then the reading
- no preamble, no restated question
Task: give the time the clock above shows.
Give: 8:33
